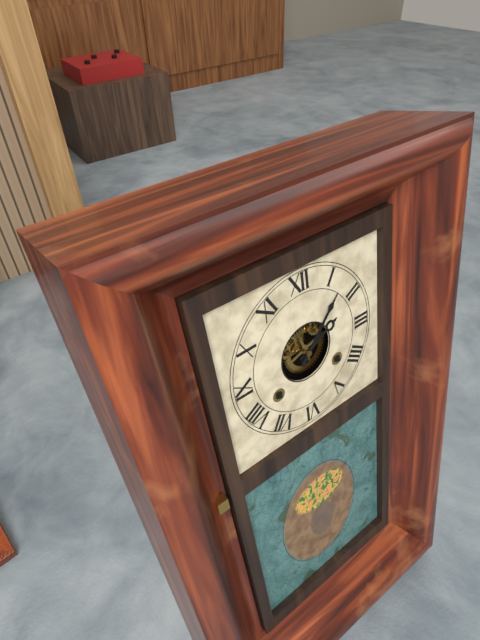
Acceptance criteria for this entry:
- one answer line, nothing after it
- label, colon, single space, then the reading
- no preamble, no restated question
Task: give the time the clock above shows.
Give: 2:07
